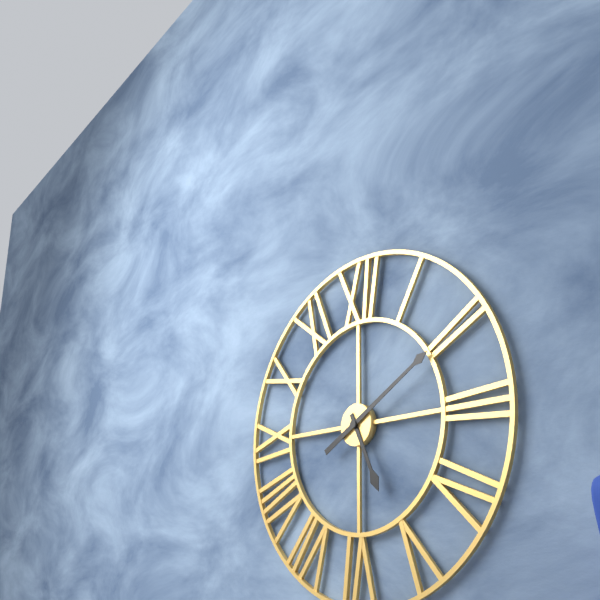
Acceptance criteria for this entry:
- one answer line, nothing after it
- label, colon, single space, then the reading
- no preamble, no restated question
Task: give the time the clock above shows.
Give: 5:10
